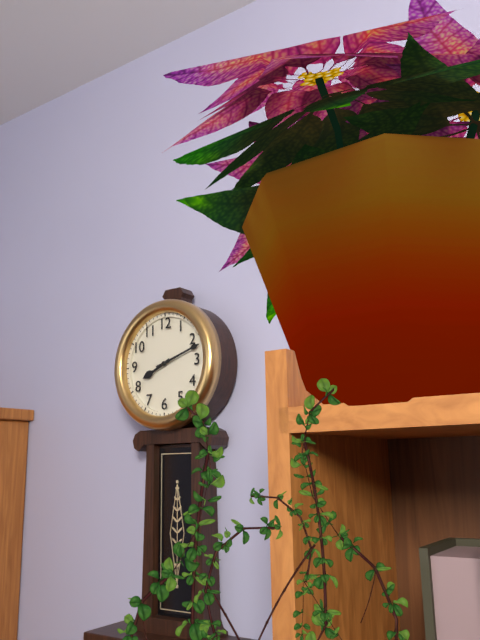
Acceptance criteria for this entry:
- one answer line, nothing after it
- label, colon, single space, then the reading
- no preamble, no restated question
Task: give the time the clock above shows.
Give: 8:12
